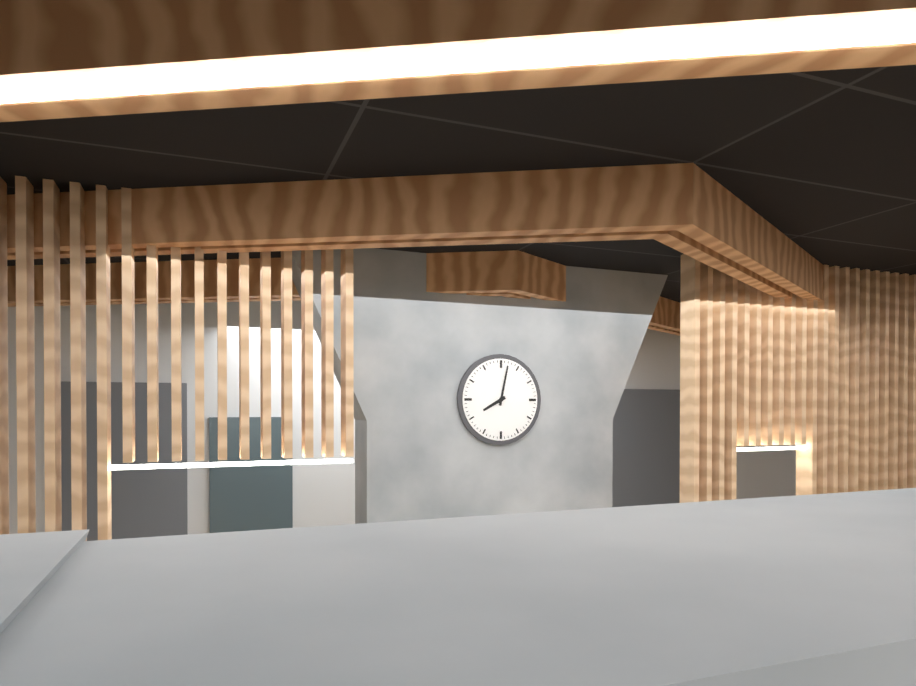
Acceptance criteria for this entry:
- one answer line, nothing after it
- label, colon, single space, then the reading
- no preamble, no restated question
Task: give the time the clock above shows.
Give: 8:02
